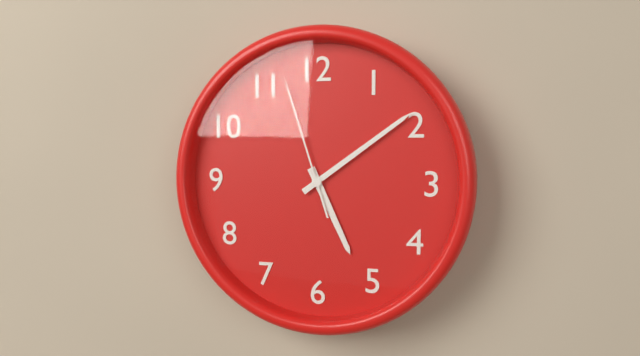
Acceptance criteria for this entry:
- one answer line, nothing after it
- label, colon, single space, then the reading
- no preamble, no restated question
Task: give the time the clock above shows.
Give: 5:09:57
